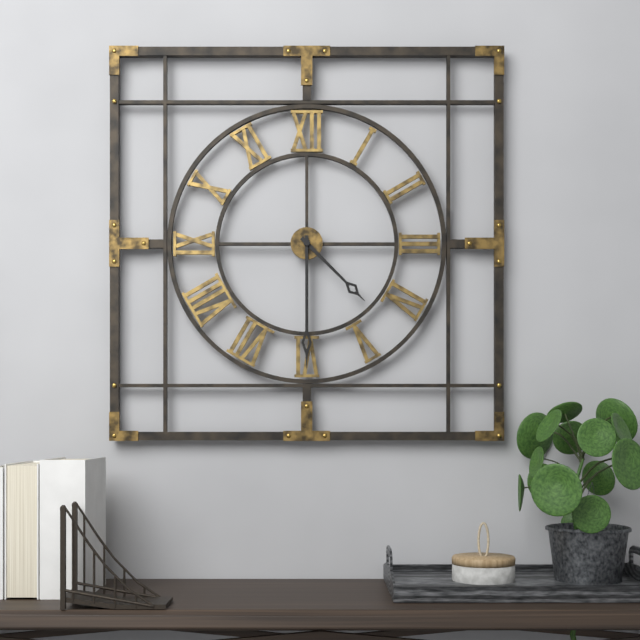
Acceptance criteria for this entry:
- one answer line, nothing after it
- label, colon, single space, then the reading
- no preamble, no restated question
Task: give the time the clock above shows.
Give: 4:30
